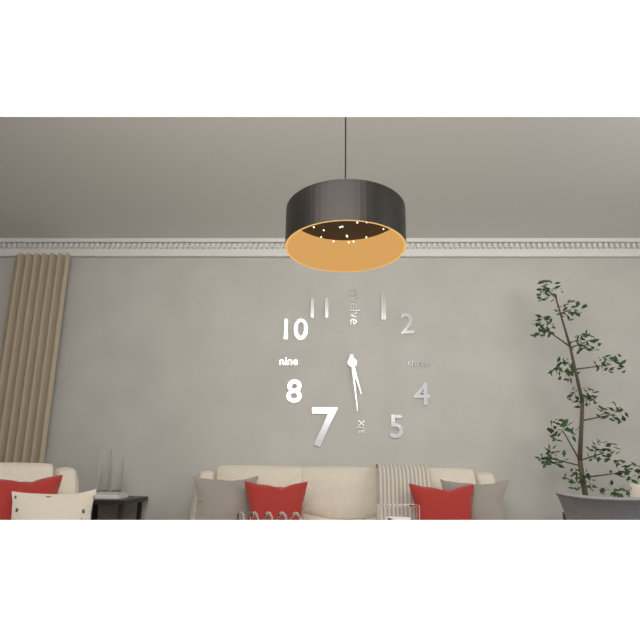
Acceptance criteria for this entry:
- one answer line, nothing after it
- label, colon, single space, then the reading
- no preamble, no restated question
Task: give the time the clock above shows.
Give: 5:29
